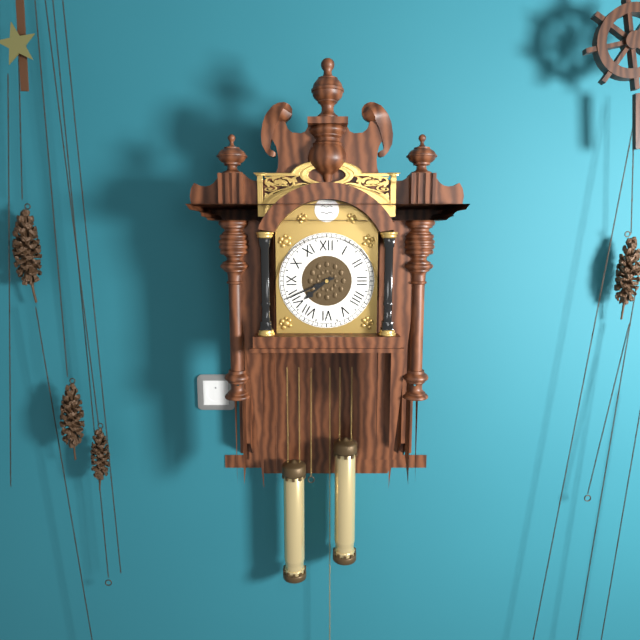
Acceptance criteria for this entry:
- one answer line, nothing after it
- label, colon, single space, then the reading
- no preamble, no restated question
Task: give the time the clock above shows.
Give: 7:41
